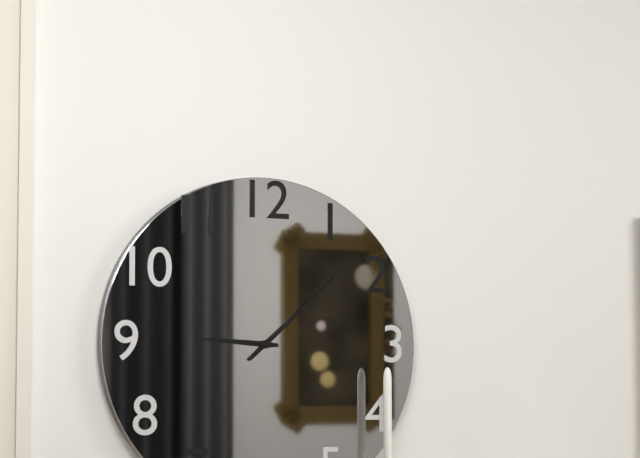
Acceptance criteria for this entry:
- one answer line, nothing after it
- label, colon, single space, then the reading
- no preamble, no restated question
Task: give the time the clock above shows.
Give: 9:08
